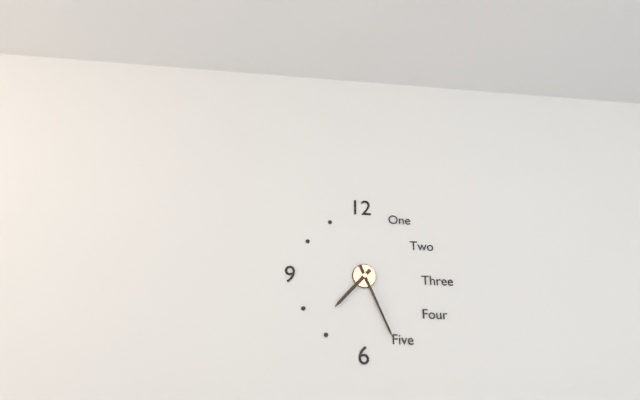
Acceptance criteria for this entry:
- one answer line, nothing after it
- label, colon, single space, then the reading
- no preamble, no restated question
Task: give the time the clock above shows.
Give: 7:26
